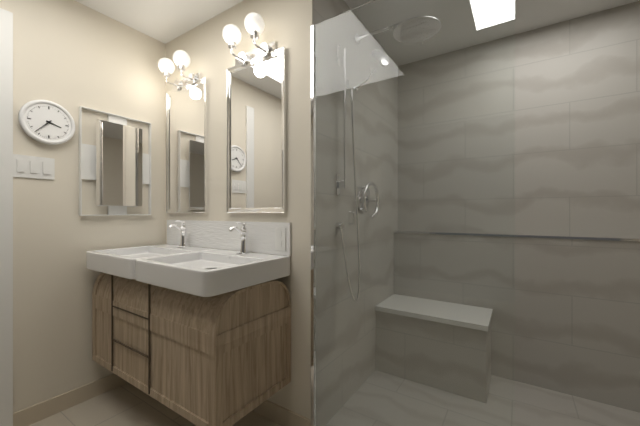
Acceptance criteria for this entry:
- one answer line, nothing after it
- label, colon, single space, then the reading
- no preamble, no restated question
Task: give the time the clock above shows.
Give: 3:37
